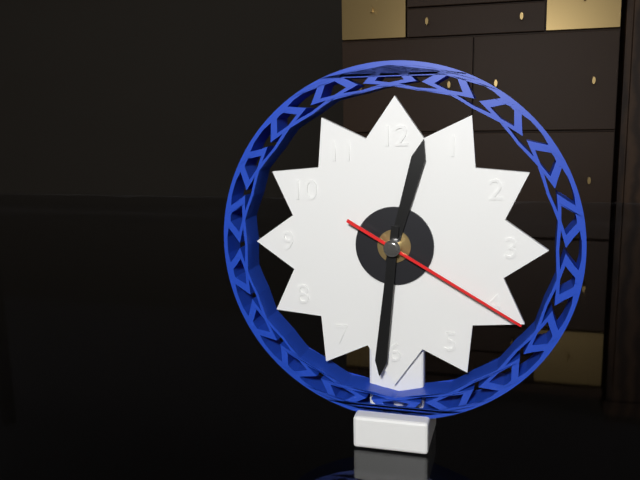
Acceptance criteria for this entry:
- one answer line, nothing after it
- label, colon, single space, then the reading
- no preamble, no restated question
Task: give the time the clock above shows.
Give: 12:31:20
